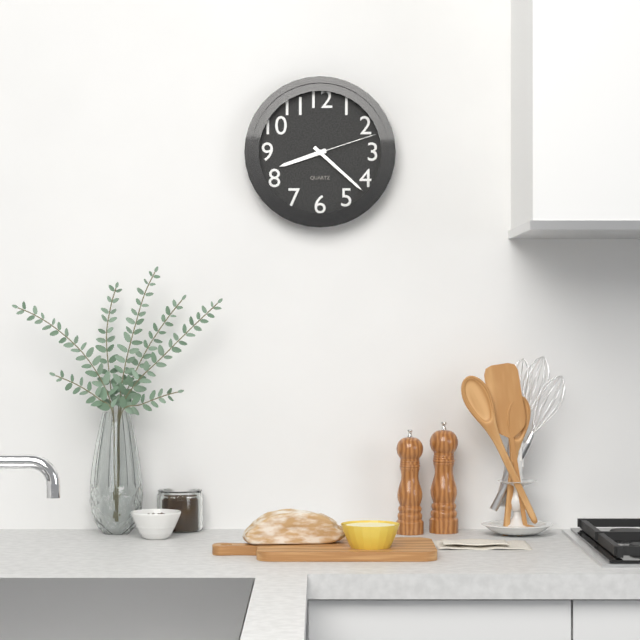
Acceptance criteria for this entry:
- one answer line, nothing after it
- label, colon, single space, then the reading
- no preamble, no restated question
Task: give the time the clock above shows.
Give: 8:22:12
